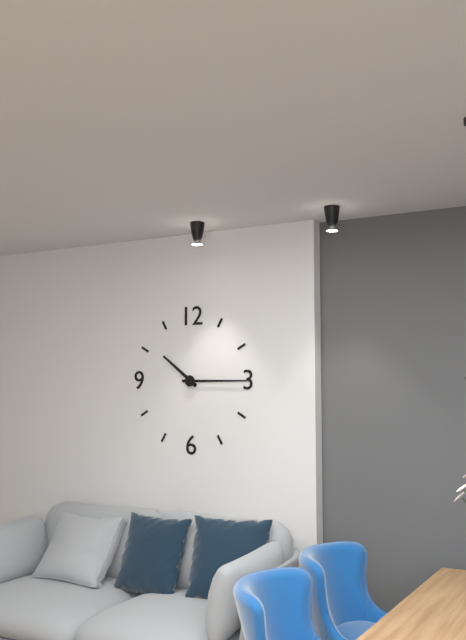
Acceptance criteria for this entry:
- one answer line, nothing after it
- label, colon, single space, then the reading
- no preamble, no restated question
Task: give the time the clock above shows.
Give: 10:15
